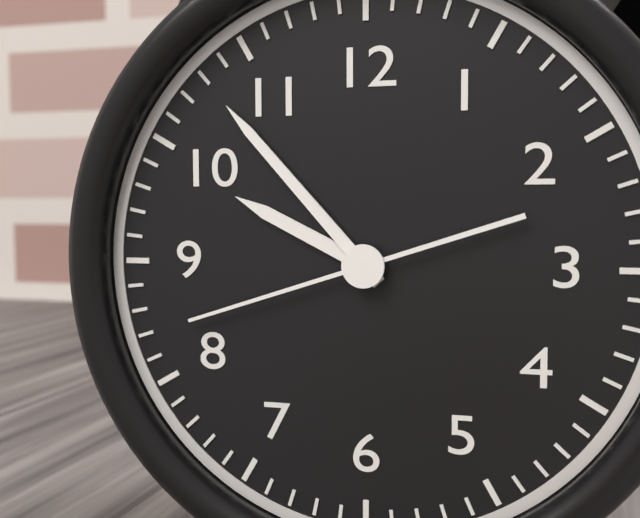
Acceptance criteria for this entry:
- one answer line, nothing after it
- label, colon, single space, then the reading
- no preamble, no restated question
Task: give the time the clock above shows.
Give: 9:53:42
